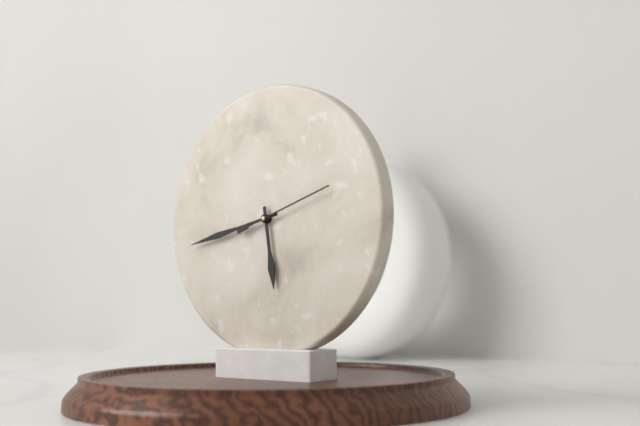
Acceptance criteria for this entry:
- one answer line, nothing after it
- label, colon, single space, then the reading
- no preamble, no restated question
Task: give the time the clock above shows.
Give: 5:43:12
